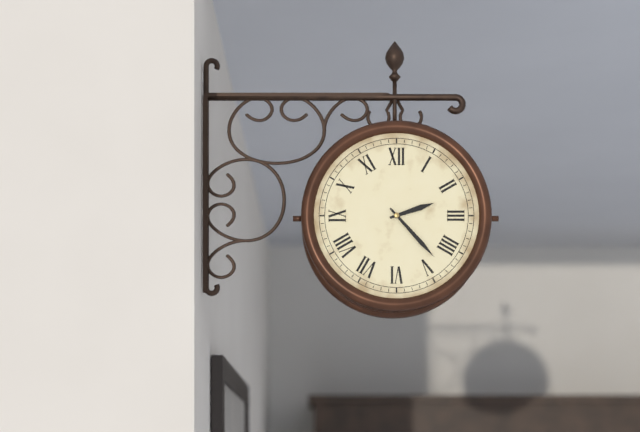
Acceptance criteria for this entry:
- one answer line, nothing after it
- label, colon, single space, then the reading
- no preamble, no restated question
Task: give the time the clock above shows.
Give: 2:23
